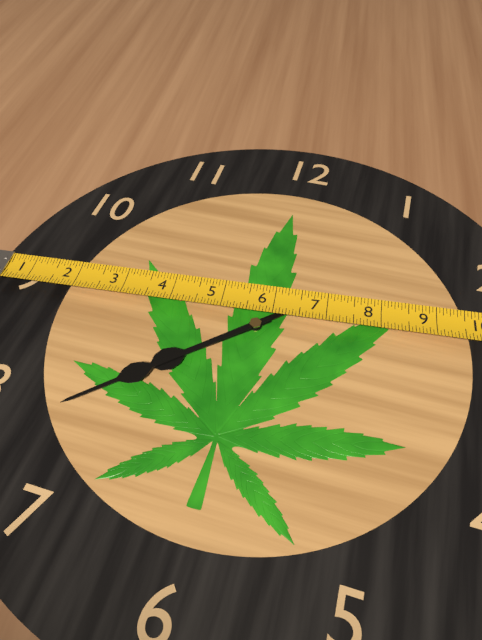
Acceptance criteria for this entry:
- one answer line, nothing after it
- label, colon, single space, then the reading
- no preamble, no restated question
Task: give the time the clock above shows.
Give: 7:38
